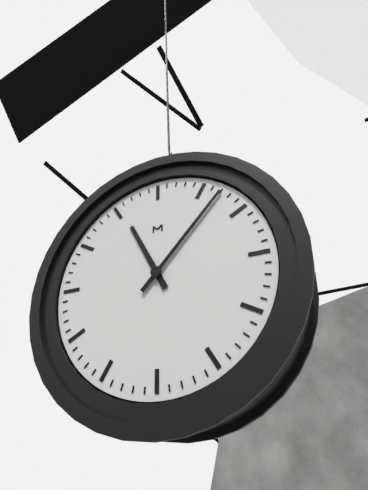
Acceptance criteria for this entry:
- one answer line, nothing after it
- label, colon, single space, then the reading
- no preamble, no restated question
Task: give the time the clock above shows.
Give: 11:07
